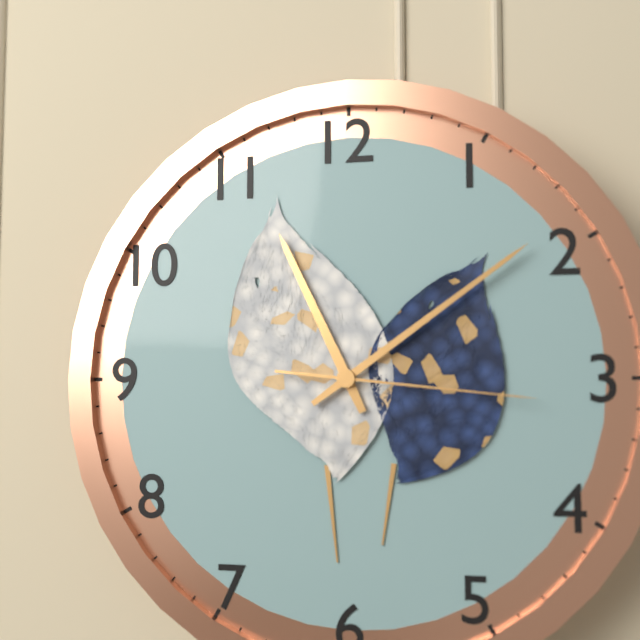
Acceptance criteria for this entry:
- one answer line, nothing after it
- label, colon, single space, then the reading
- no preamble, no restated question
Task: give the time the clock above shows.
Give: 11:09:16
